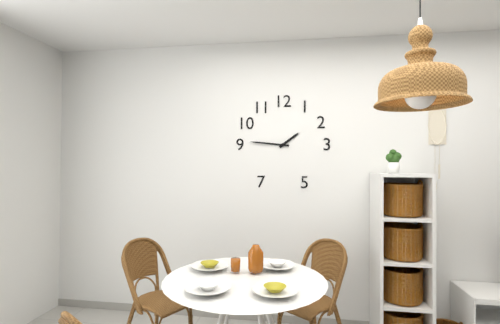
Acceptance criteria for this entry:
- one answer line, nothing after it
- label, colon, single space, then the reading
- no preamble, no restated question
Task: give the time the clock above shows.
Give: 1:46
